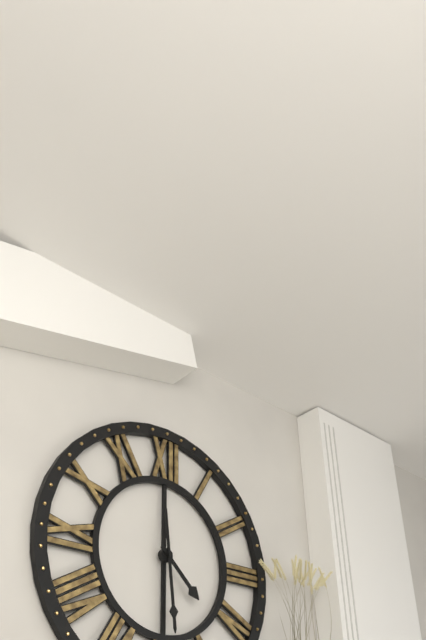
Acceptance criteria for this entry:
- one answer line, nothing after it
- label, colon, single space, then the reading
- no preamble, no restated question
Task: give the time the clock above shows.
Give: 4:29
